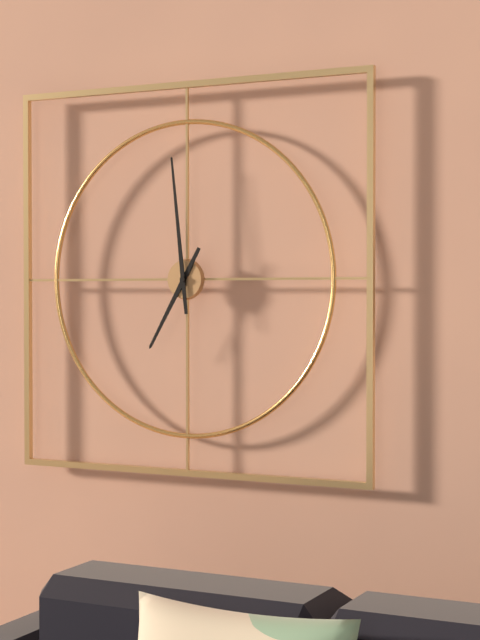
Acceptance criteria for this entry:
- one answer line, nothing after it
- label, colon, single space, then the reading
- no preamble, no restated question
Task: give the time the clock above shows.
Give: 6:59
